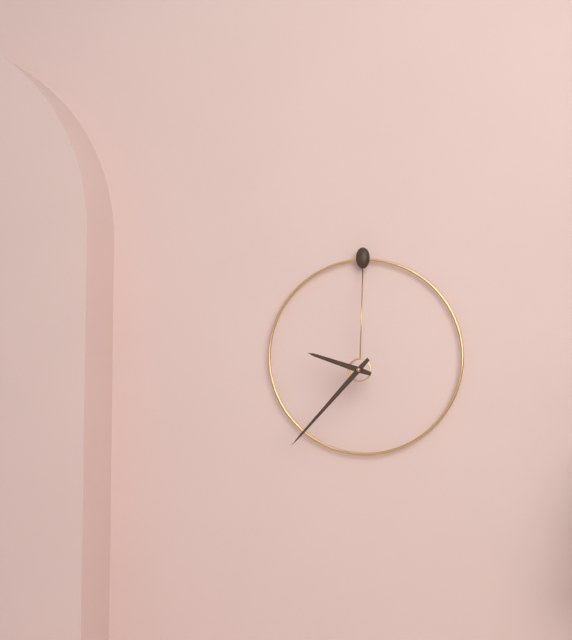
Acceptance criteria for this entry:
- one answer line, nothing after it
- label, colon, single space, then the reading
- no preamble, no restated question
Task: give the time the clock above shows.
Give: 9:37
